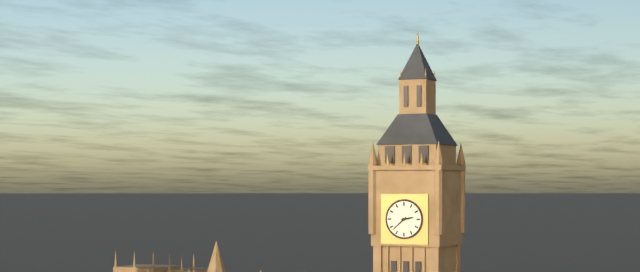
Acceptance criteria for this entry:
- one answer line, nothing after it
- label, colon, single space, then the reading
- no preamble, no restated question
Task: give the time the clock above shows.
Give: 2:38
